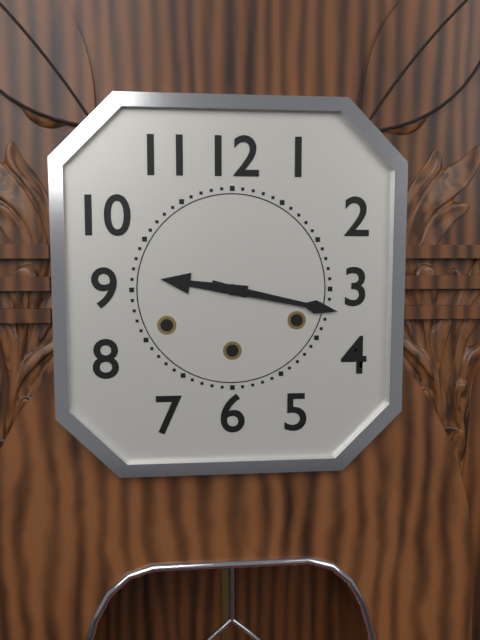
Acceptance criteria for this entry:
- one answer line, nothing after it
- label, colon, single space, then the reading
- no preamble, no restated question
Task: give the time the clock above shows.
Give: 9:17
